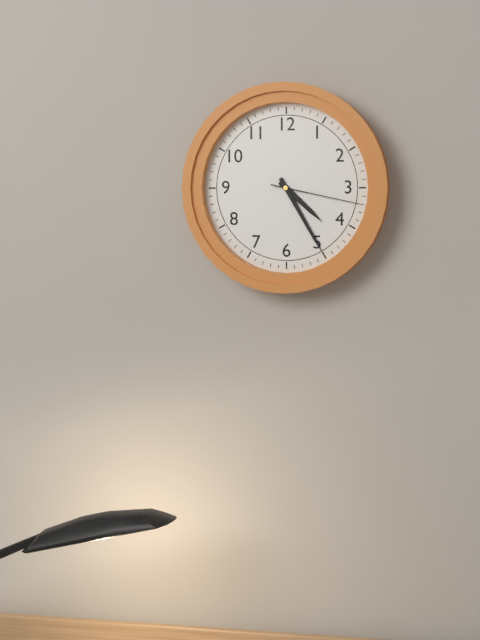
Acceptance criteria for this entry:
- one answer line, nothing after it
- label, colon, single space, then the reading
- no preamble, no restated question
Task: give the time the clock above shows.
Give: 4:25:17
